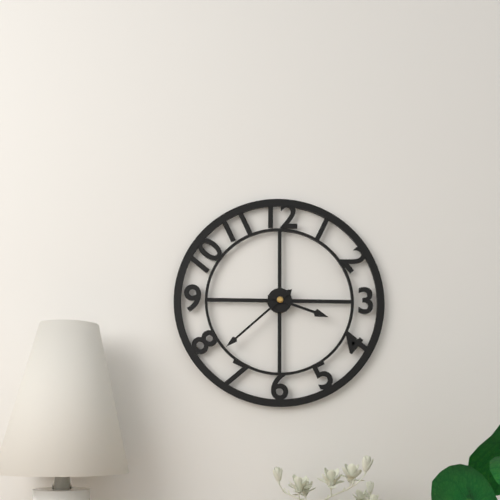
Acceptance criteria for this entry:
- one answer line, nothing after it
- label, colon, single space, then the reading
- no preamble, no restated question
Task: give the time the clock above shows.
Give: 3:38
